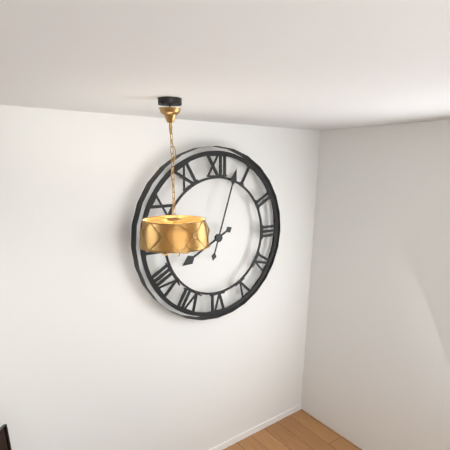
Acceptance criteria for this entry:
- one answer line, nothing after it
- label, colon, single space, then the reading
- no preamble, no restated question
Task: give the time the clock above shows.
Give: 8:03
